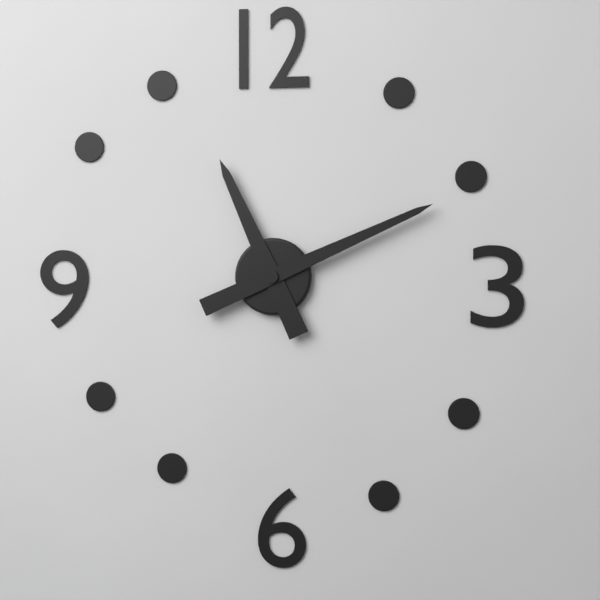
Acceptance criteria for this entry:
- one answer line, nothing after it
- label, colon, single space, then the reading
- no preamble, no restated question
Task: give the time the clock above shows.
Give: 11:11
